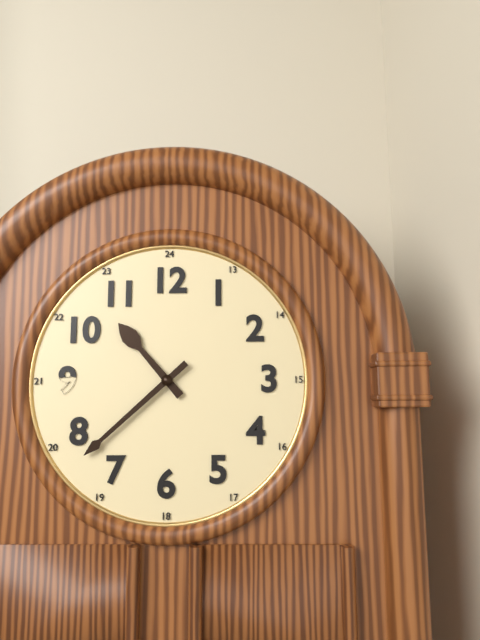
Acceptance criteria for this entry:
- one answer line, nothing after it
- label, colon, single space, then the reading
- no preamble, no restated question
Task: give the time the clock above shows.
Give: 10:38
